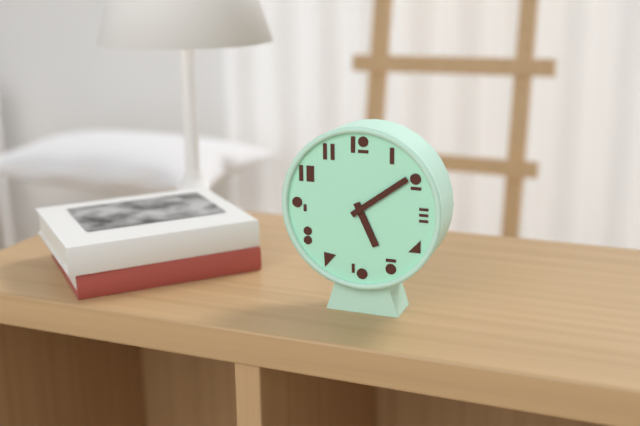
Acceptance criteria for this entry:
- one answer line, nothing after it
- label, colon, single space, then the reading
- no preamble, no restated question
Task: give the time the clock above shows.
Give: 5:09
